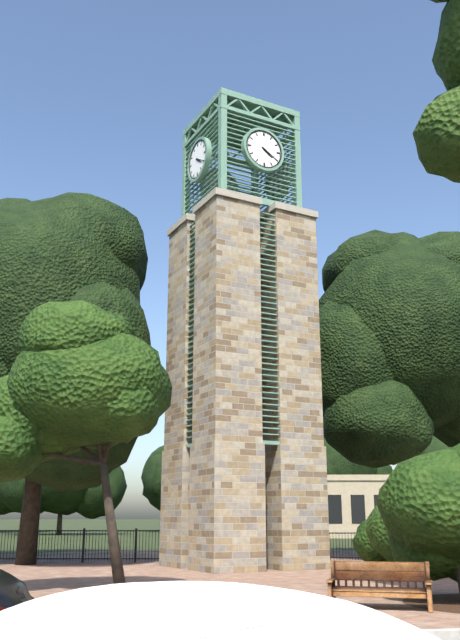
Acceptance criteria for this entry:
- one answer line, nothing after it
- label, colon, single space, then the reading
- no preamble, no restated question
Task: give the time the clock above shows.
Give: 4:20
